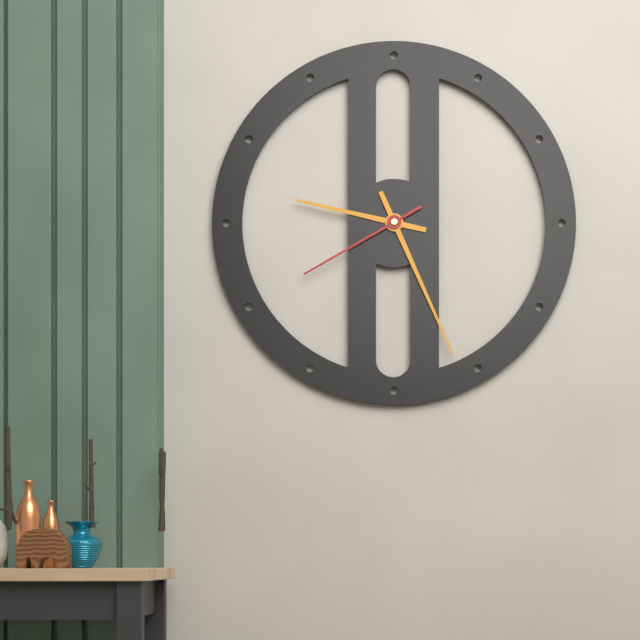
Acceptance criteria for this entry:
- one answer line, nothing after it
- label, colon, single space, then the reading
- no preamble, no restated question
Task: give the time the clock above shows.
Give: 9:26:40
